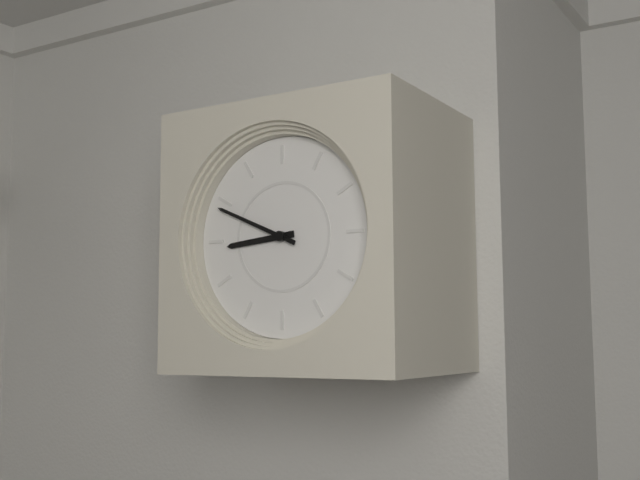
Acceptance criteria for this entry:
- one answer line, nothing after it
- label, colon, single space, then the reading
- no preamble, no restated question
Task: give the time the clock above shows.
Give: 8:49
